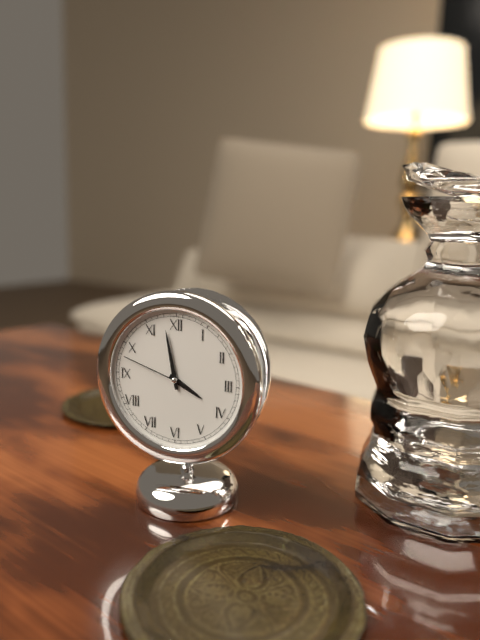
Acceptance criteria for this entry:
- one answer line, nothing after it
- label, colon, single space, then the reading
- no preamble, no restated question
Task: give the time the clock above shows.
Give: 3:58:48
